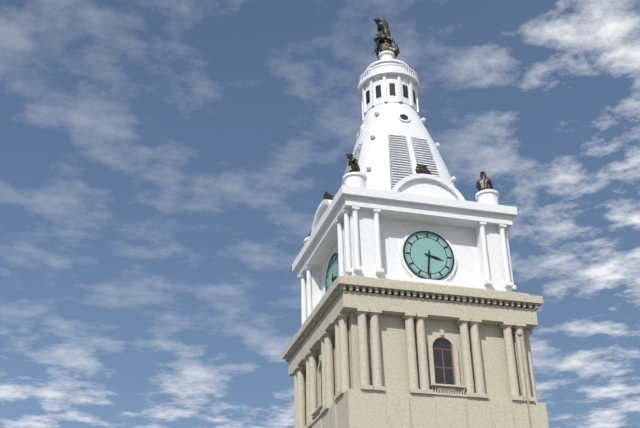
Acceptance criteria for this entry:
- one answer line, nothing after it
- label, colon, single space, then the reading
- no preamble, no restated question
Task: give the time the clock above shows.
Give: 3:31
